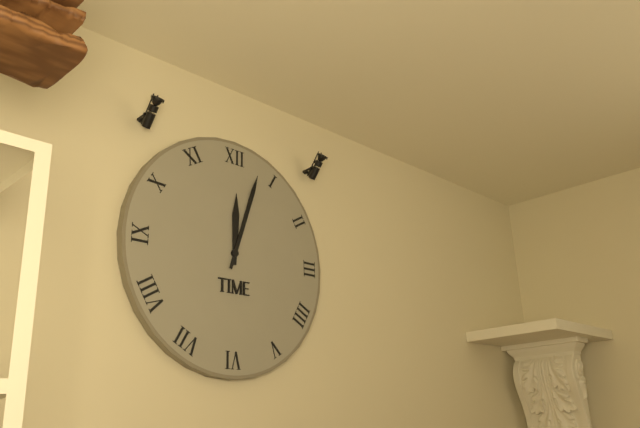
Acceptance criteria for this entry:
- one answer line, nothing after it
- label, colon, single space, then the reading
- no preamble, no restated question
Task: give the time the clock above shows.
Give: 12:03
